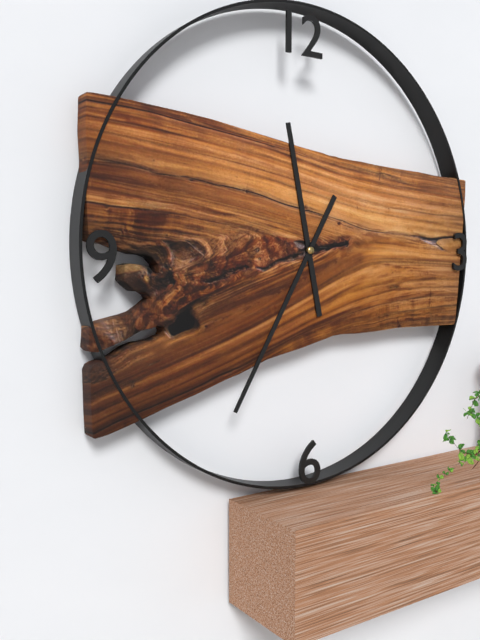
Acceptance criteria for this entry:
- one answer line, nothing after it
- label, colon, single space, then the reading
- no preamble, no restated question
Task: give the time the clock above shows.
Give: 11:35
